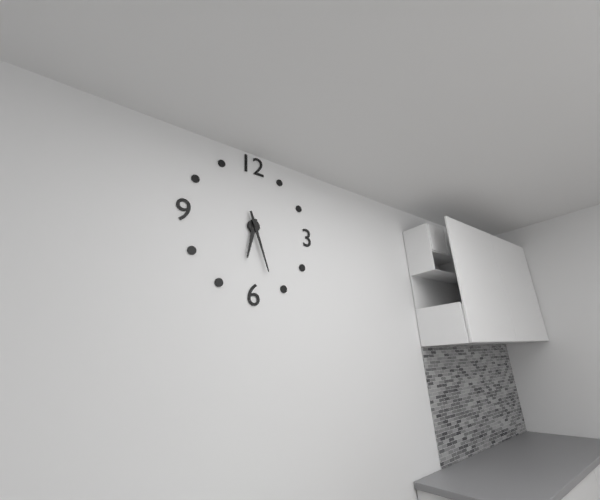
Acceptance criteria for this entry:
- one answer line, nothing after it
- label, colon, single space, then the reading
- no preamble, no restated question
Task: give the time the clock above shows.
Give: 6:27
